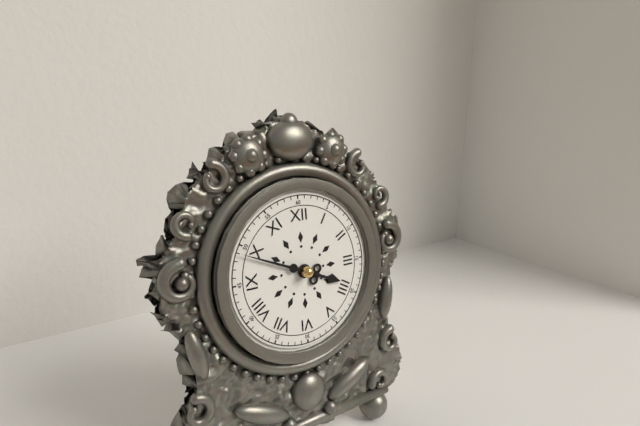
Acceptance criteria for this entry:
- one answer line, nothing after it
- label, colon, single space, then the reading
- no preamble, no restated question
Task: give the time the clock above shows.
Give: 3:49
